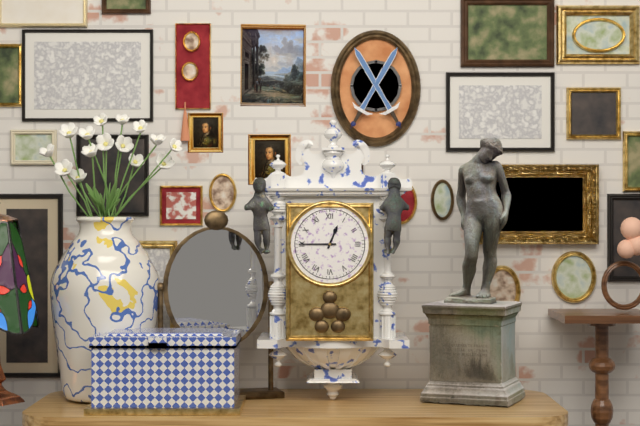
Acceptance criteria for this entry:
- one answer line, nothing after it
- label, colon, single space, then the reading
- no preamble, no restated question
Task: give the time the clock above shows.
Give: 12:45
